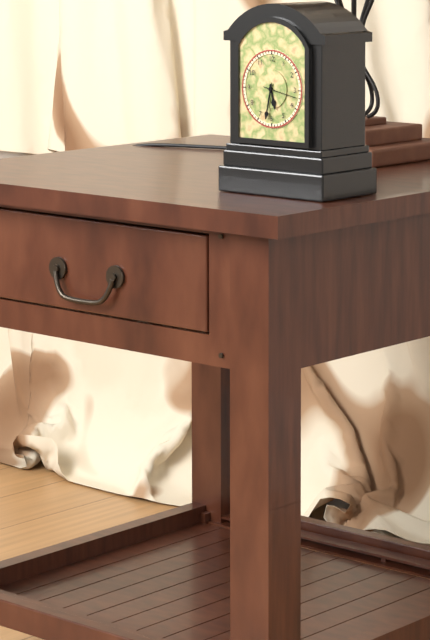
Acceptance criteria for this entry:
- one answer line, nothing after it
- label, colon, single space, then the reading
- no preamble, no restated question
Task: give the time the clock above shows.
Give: 5:32
